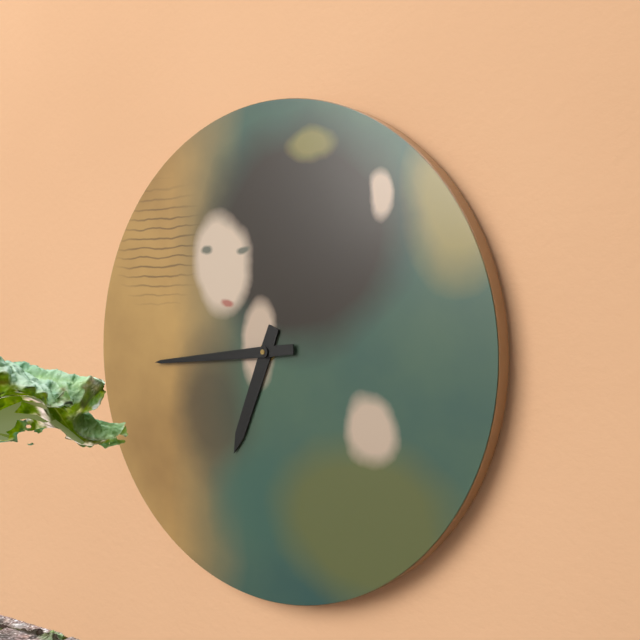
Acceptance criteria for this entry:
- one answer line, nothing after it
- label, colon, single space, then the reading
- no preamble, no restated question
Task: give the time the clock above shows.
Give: 6:44
